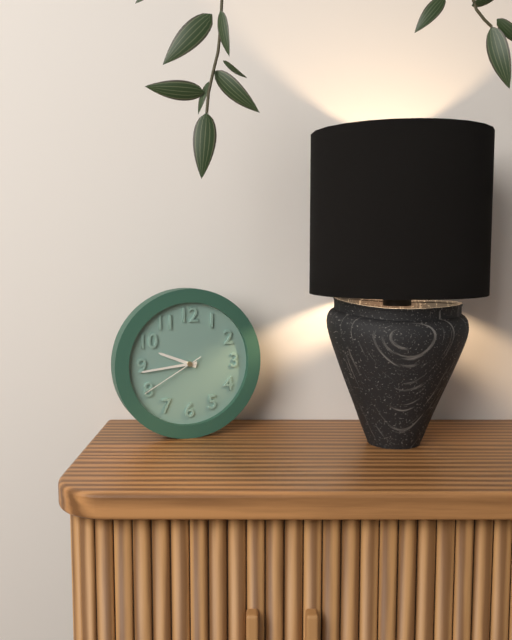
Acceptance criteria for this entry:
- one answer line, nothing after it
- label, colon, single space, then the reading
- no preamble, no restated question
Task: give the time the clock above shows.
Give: 9:44:40
